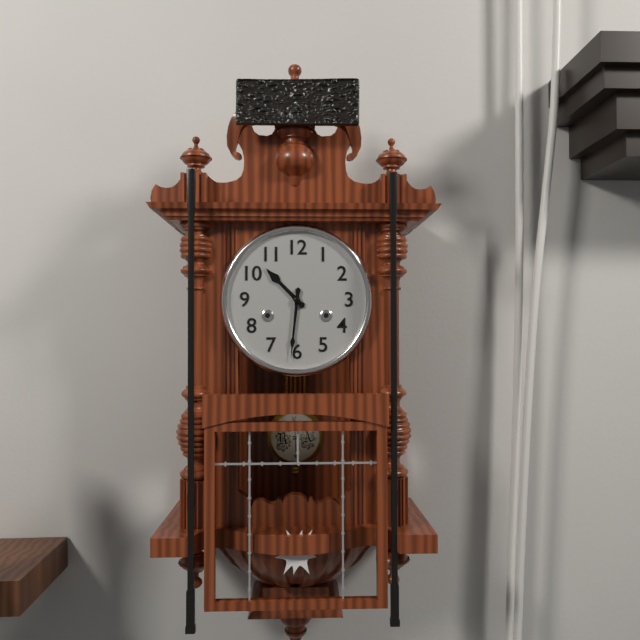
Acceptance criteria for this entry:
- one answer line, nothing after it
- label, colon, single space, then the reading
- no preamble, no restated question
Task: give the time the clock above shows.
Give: 10:31
